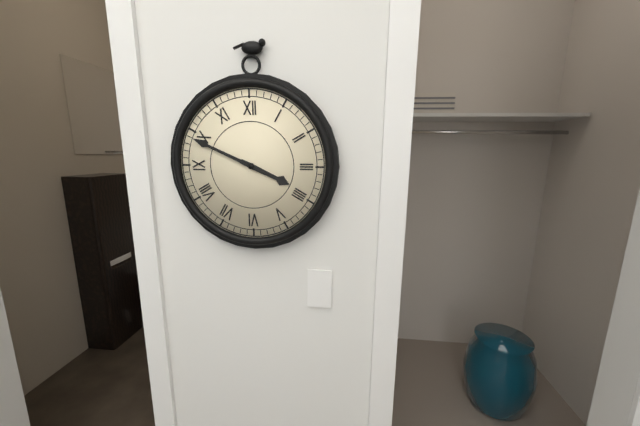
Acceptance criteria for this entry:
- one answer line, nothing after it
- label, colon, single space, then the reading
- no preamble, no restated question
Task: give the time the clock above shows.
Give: 3:49
